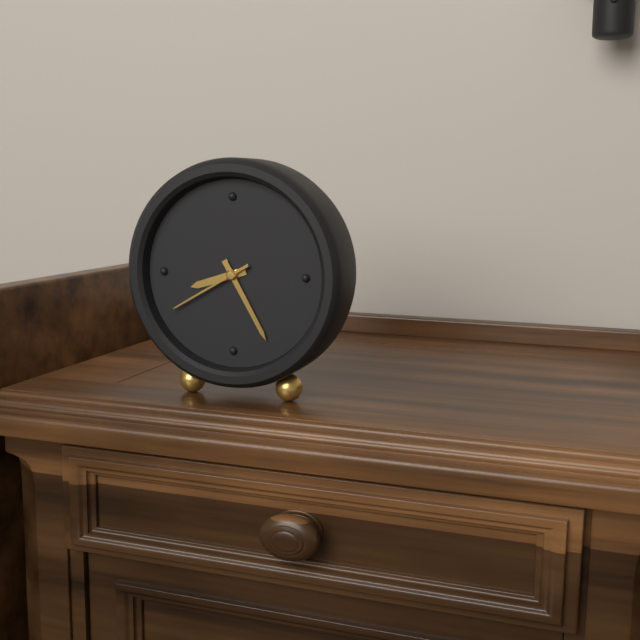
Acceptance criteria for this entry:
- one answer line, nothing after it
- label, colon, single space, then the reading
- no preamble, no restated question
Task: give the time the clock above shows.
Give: 8:25:40
